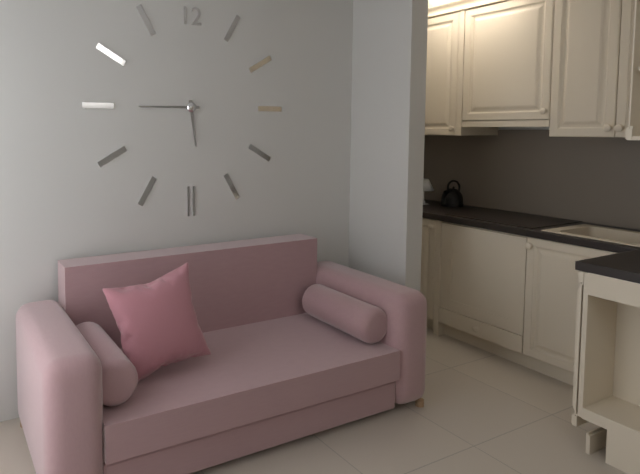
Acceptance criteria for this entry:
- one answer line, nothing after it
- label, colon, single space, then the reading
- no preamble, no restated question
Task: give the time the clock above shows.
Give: 5:45
